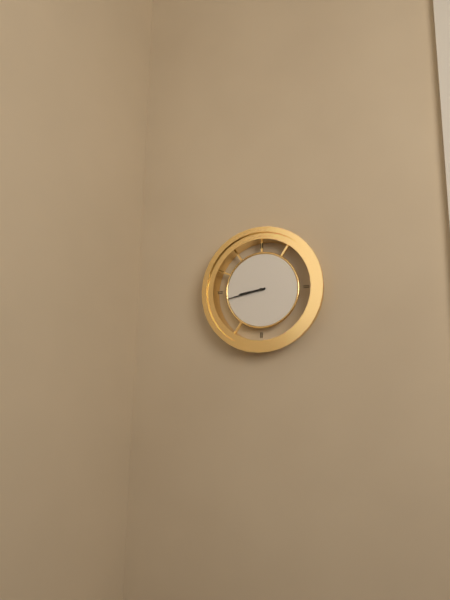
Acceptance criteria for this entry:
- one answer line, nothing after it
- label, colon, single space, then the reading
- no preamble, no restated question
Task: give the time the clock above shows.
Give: 8:43
